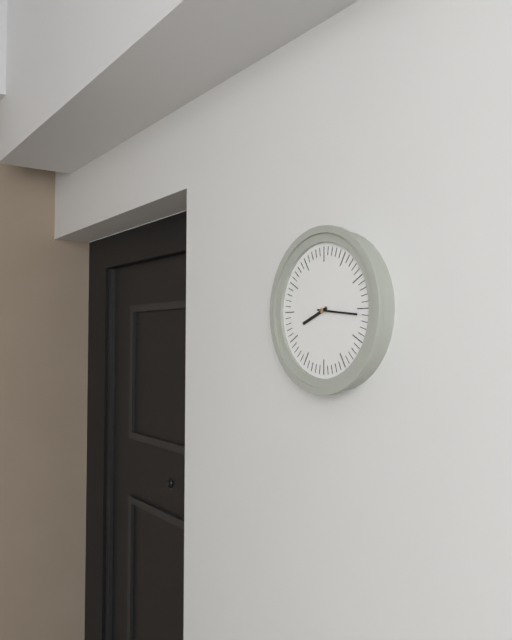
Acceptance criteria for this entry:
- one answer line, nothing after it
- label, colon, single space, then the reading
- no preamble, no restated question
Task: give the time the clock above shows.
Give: 8:16
